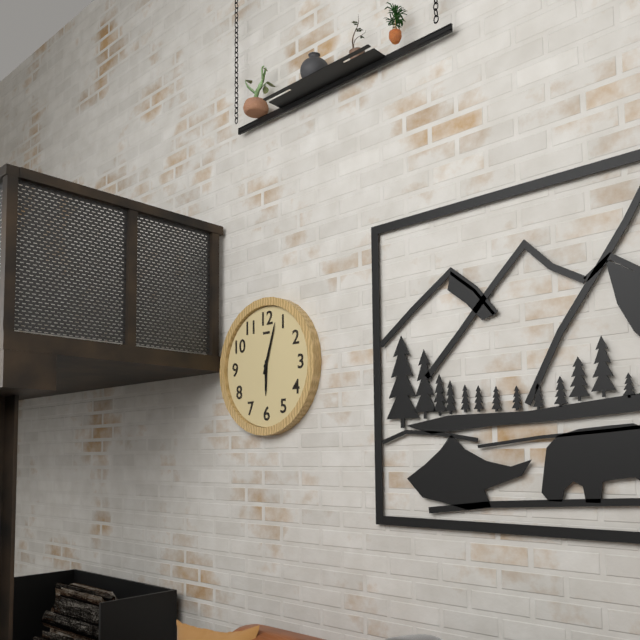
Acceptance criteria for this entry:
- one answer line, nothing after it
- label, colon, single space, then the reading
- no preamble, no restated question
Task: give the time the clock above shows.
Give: 6:03
